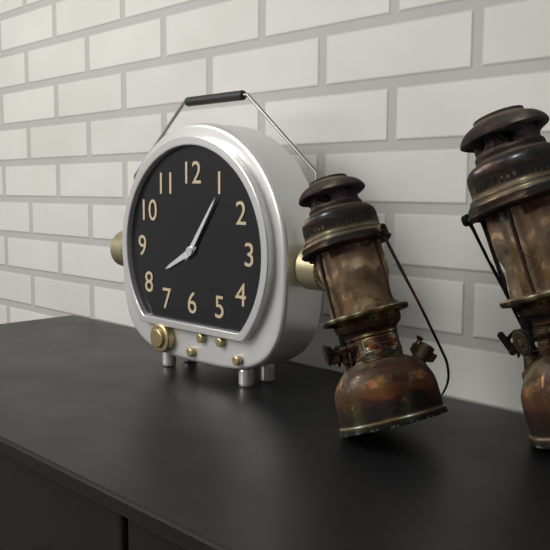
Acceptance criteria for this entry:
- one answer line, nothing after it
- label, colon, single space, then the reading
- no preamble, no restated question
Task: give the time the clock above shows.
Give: 8:06
